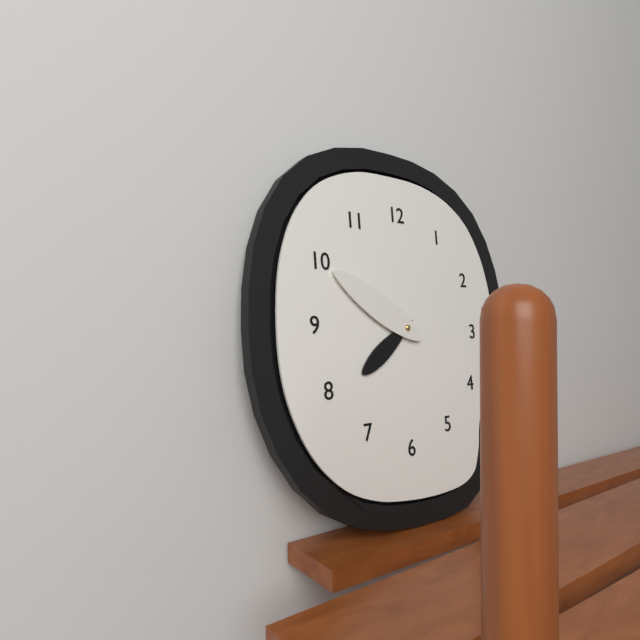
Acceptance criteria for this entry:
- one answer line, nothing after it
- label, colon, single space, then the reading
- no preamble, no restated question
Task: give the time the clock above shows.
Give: 7:50
